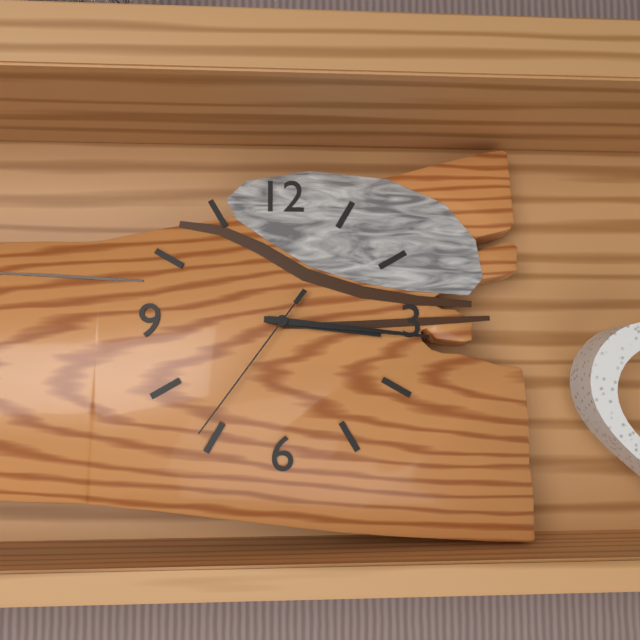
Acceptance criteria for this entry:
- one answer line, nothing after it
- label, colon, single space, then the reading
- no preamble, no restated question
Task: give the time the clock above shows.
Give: 3:16:36
